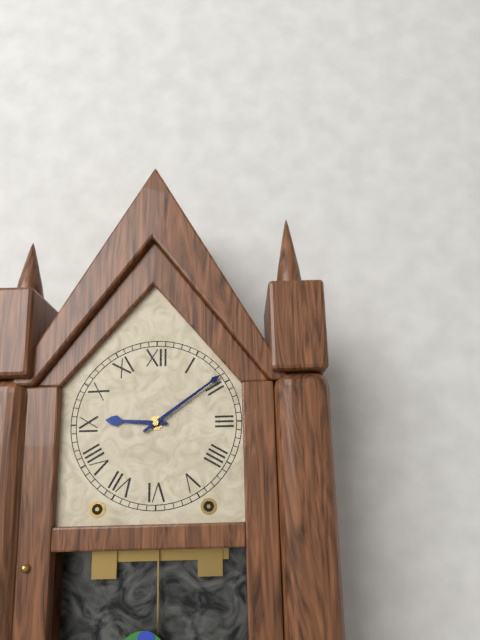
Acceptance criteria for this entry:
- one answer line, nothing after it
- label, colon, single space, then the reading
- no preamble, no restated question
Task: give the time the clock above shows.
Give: 9:09
